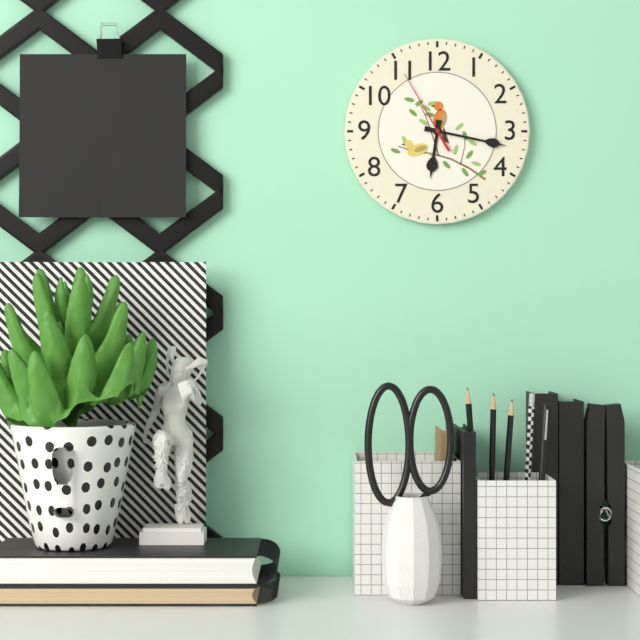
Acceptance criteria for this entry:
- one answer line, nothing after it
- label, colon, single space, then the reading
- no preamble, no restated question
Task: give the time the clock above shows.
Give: 6:17:55
